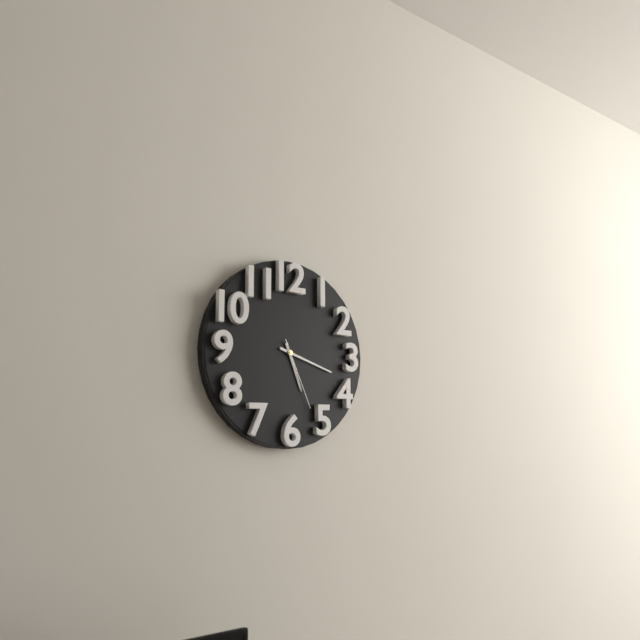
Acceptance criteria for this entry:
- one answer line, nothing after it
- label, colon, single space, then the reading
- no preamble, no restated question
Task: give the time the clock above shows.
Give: 5:18:26
